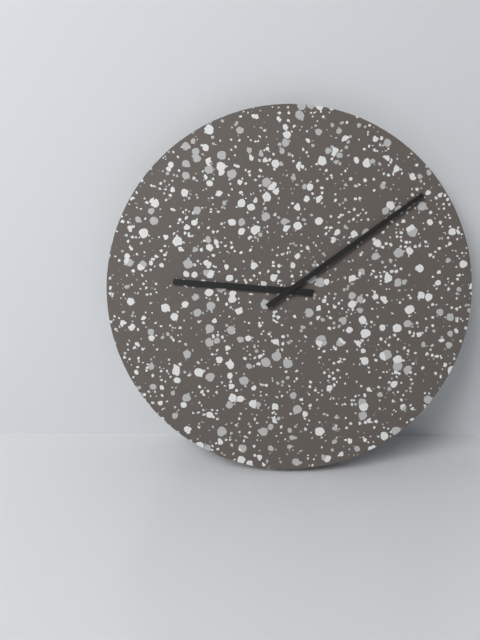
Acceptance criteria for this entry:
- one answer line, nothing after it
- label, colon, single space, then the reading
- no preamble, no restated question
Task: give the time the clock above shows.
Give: 9:09
